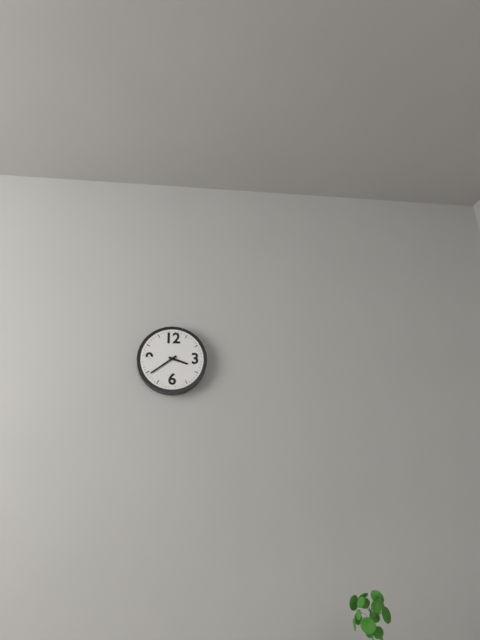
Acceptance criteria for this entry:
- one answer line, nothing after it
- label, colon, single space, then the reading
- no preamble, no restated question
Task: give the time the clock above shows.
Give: 3:39
